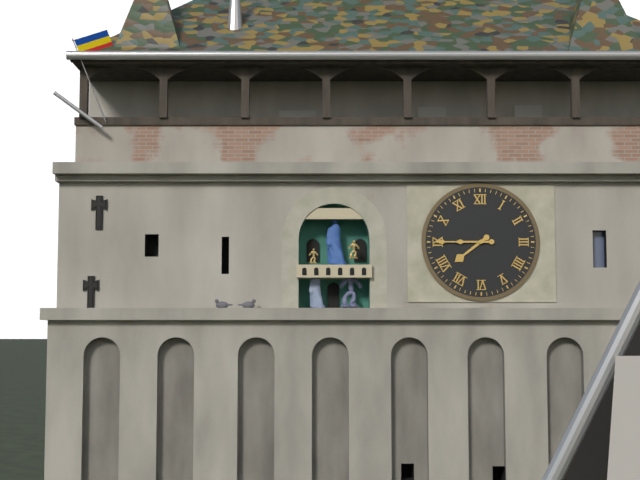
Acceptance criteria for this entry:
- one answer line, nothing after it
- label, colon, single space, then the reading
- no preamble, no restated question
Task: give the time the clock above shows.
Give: 7:45
